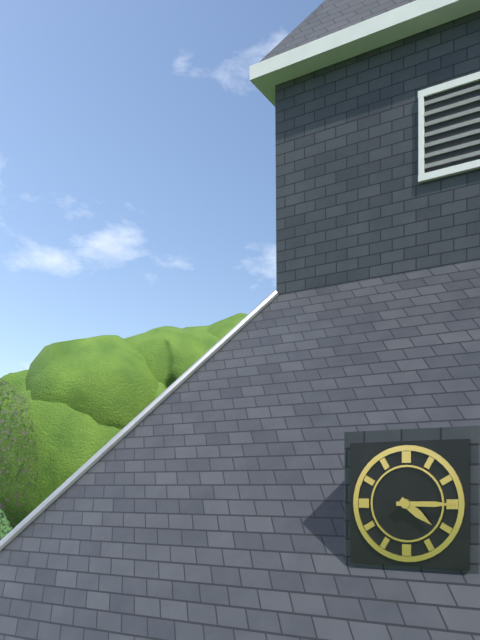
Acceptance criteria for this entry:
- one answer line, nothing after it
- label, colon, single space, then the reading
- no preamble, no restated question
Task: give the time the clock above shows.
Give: 4:15
